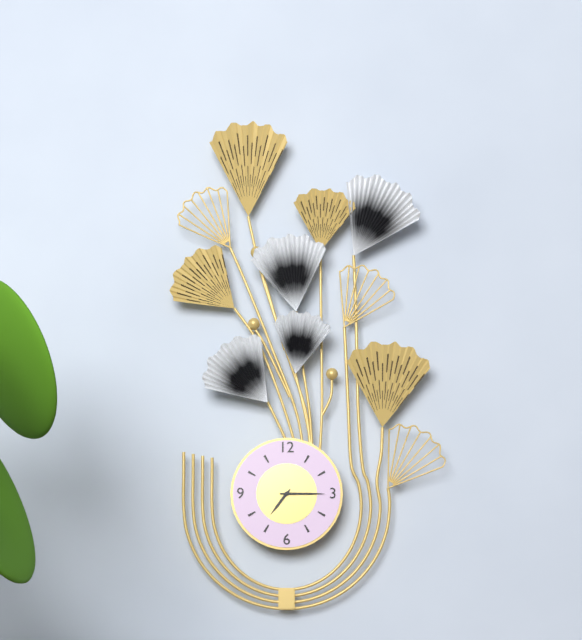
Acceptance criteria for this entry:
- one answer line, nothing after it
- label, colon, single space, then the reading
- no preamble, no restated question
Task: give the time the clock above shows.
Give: 7:15
